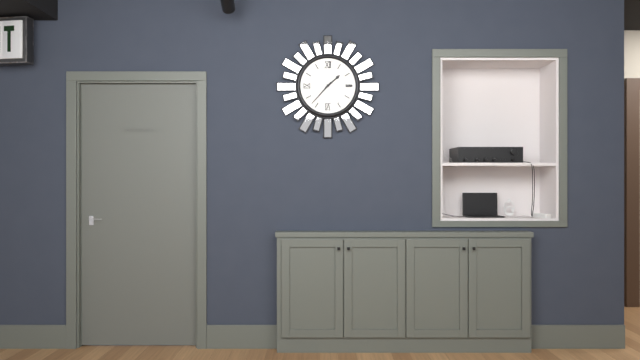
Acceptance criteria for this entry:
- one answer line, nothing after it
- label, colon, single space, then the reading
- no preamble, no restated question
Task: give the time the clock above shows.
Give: 1:37
